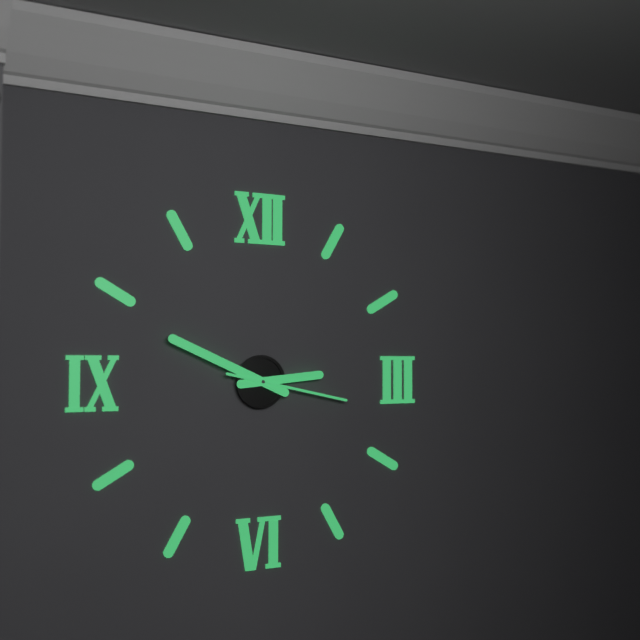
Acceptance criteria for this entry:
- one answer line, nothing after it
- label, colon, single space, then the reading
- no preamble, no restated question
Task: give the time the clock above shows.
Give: 2:49:17
